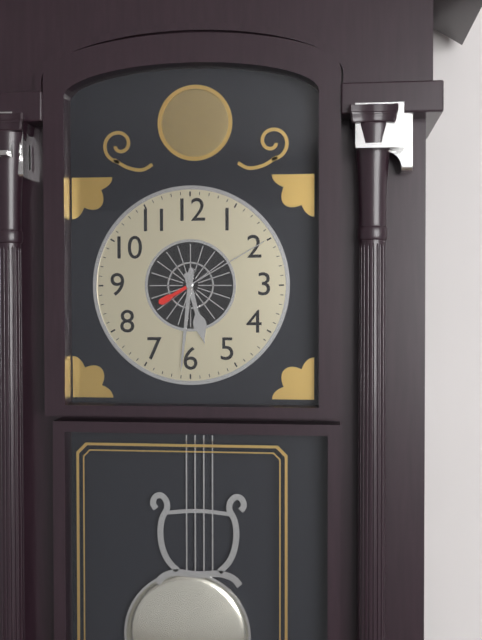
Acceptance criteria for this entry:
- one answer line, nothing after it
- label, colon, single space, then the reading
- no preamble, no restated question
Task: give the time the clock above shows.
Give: 5:31:10
